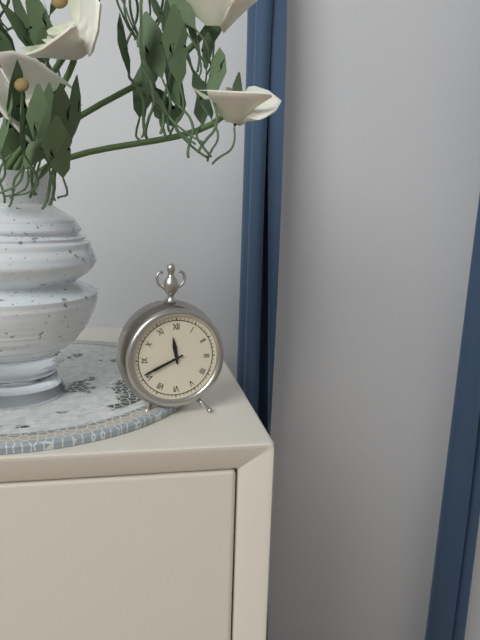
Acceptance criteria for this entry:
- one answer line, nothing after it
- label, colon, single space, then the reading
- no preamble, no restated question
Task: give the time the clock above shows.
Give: 11:41
